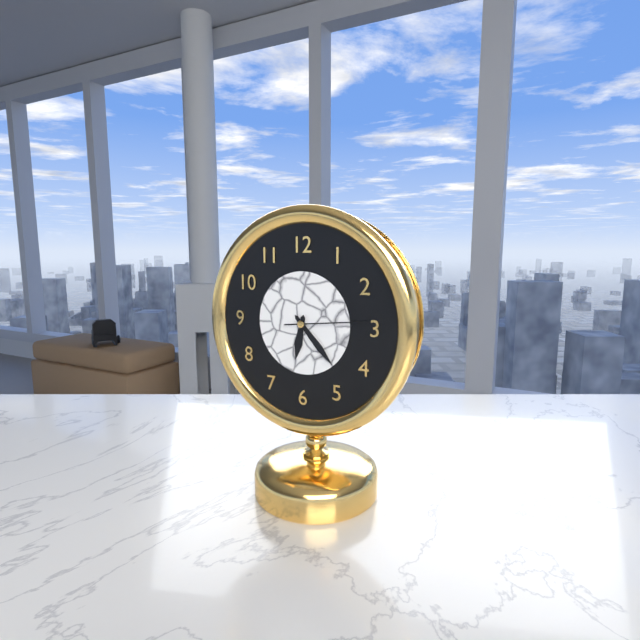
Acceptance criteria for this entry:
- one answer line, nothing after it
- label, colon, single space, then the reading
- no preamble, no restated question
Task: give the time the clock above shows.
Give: 6:23:14
